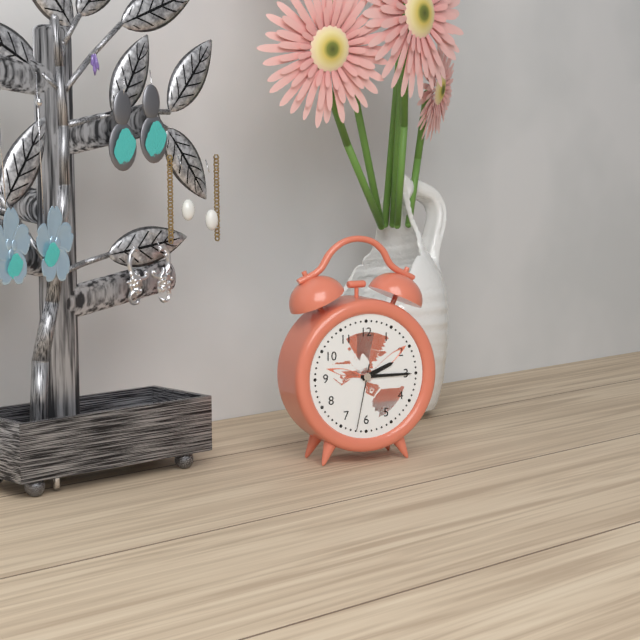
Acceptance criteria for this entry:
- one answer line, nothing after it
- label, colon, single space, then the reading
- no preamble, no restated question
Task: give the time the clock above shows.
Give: 2:15:32
